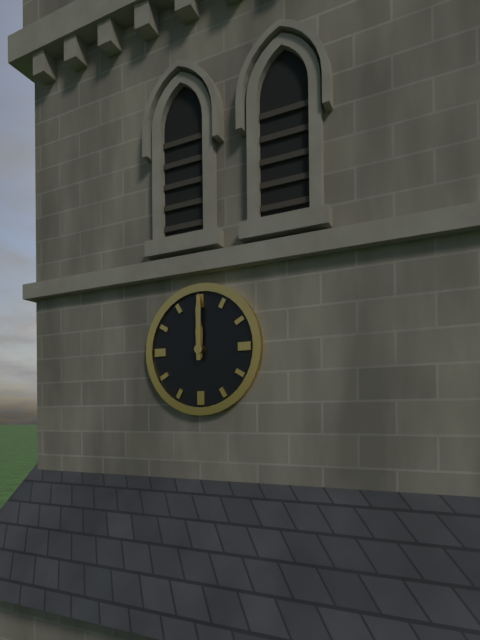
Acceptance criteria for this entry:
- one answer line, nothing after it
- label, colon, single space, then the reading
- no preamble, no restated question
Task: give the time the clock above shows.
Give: 12:00
